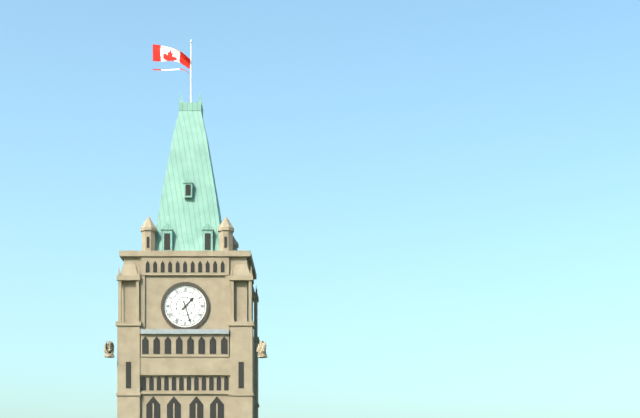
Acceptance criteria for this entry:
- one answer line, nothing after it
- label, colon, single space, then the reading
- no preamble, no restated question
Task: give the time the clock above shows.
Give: 1:27
